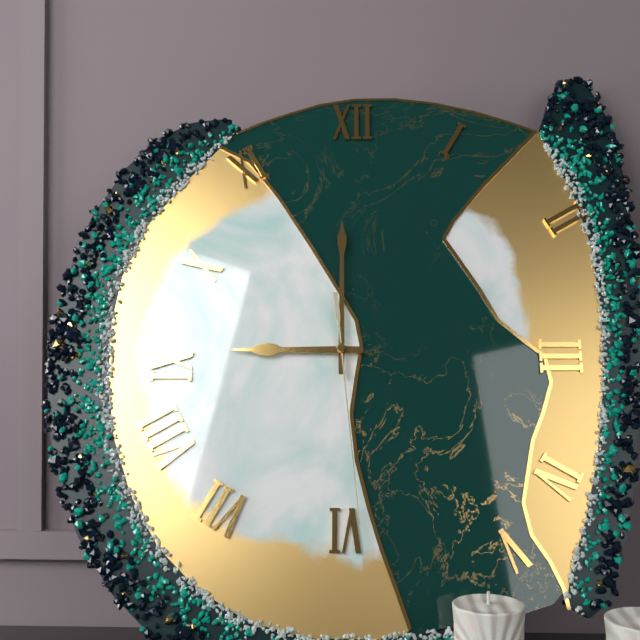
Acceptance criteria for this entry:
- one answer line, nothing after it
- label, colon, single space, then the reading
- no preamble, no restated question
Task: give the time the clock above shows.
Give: 9:00:29
